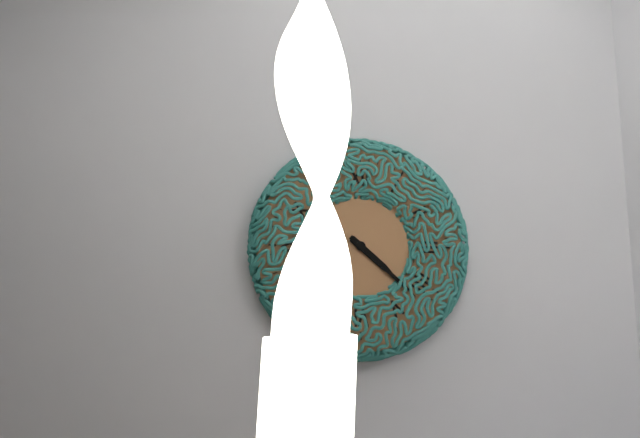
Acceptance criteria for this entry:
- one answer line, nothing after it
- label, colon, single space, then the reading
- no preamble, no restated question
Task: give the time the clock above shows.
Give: 4:22
